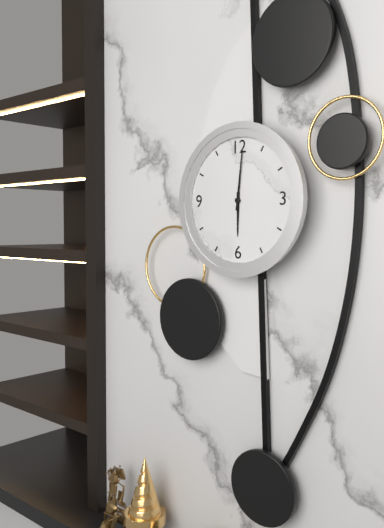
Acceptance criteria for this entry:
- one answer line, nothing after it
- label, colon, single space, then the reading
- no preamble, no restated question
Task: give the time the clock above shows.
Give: 6:01
